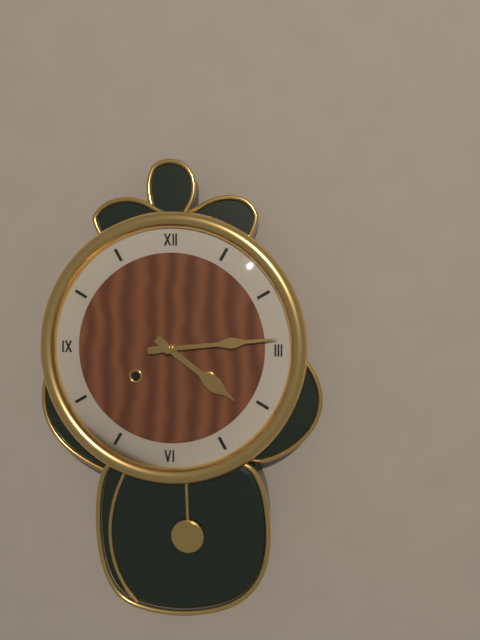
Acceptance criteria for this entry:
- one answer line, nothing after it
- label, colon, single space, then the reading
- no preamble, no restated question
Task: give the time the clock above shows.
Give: 4:14
